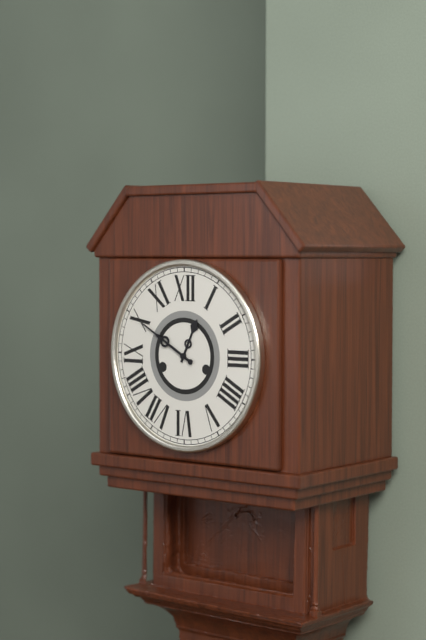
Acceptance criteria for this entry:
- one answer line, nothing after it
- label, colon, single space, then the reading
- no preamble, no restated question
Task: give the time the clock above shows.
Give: 12:50
